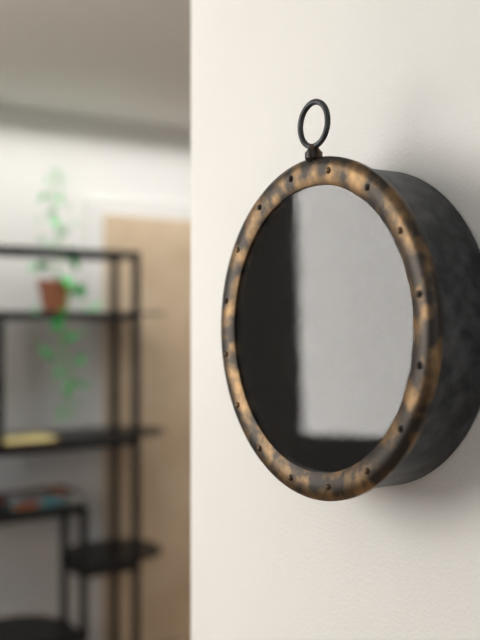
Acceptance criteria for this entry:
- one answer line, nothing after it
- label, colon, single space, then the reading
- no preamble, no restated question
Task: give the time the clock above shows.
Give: 5:33
